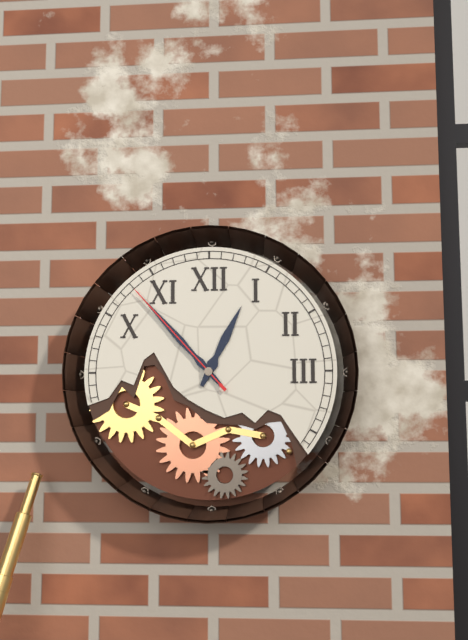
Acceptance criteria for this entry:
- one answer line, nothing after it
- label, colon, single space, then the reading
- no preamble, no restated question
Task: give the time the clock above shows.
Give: 12:53:53
